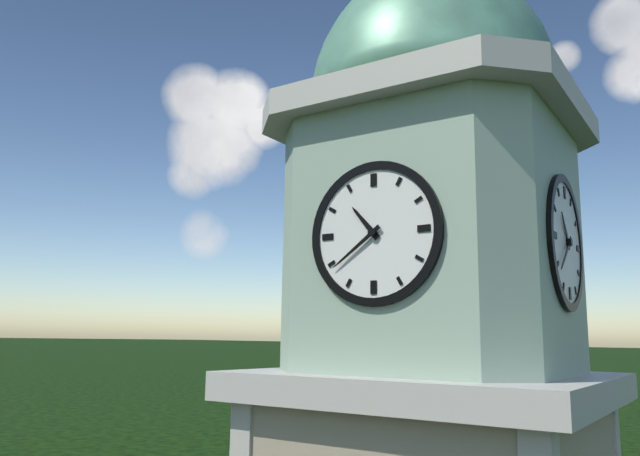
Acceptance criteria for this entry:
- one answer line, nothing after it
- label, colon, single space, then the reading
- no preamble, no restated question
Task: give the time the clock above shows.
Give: 10:39
